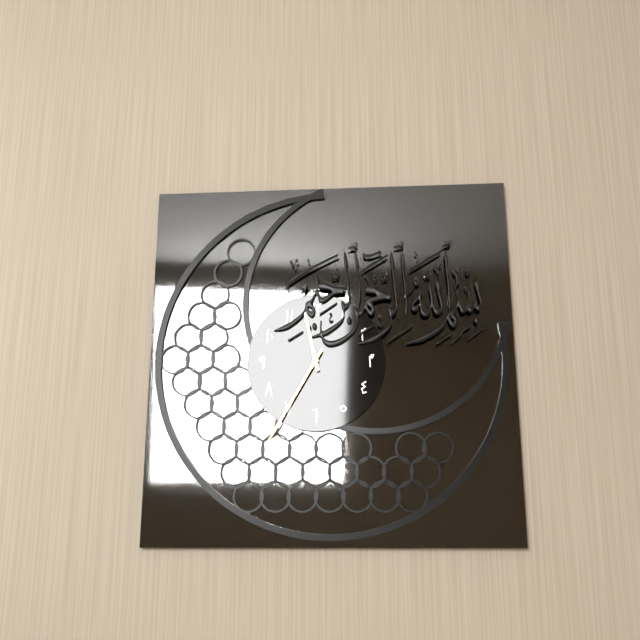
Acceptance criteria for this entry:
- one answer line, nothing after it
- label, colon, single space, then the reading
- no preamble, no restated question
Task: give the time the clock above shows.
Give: 11:35
